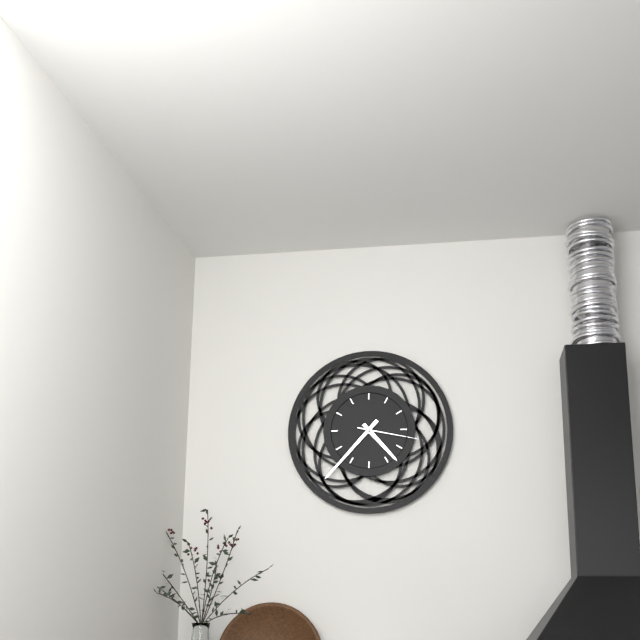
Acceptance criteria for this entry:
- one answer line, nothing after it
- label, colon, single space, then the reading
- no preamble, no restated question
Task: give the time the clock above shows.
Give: 4:37:17
